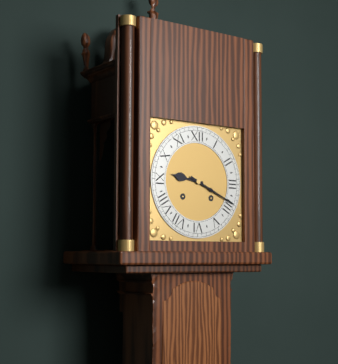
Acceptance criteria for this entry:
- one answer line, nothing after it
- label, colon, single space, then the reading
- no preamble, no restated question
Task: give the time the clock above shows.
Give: 9:19
